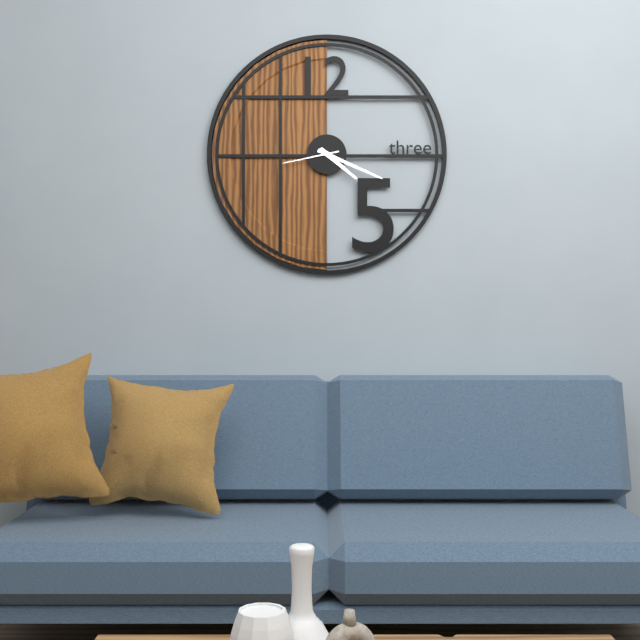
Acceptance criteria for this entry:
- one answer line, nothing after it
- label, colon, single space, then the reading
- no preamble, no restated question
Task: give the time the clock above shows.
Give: 4:19:43
